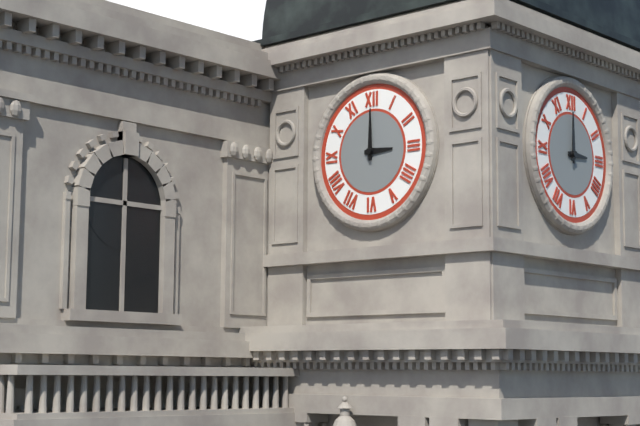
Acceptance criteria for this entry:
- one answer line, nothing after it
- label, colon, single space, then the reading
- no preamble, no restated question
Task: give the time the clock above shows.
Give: 3:00
